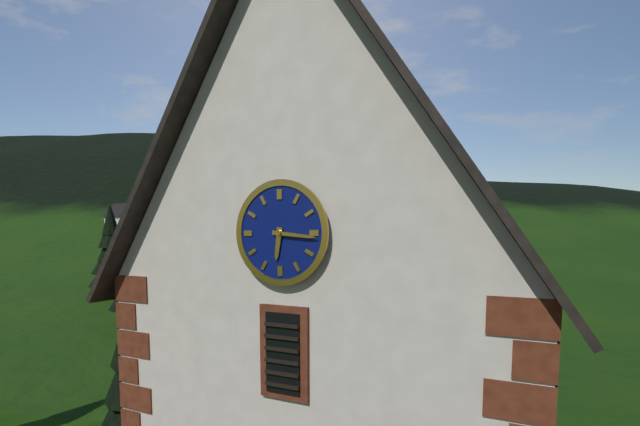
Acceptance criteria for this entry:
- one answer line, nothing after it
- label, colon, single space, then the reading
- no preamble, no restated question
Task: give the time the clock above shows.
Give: 6:16
